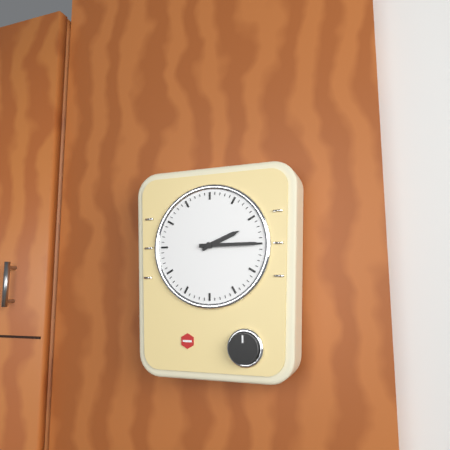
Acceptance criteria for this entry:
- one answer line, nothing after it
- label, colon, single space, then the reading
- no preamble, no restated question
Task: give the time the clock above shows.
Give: 2:15
